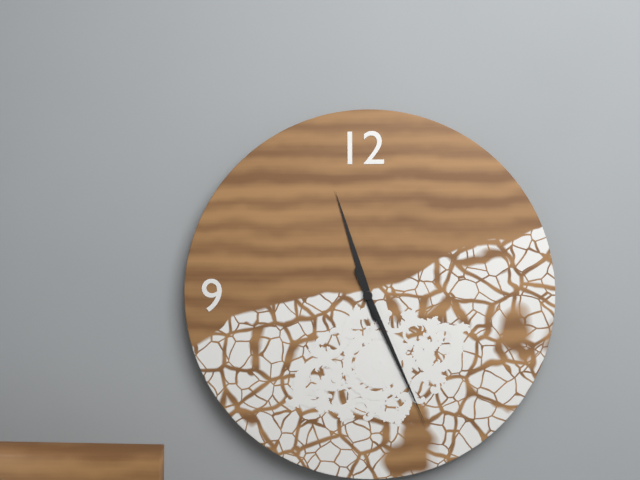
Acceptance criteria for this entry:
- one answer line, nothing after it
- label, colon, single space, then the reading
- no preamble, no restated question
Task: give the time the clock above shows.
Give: 11:26
